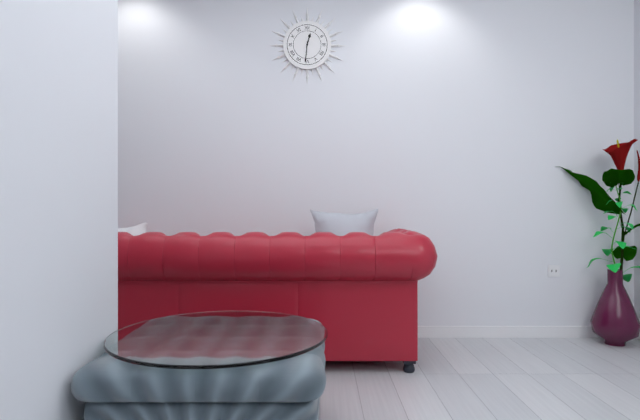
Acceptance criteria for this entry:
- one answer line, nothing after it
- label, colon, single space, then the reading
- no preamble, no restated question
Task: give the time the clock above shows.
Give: 12:31
